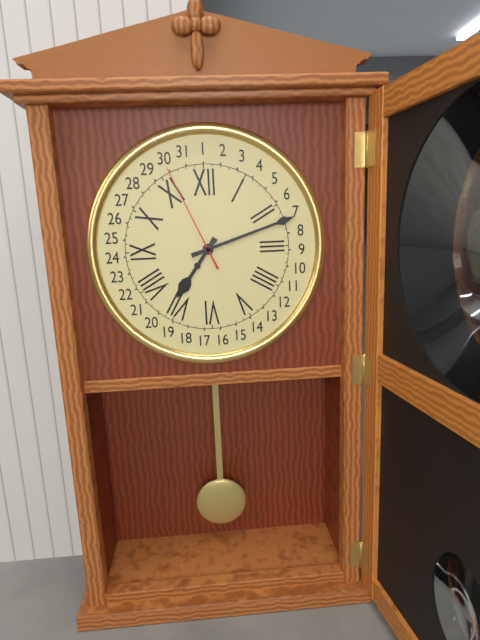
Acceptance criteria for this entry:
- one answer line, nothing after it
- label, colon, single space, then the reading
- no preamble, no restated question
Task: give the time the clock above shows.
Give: 7:12:56
